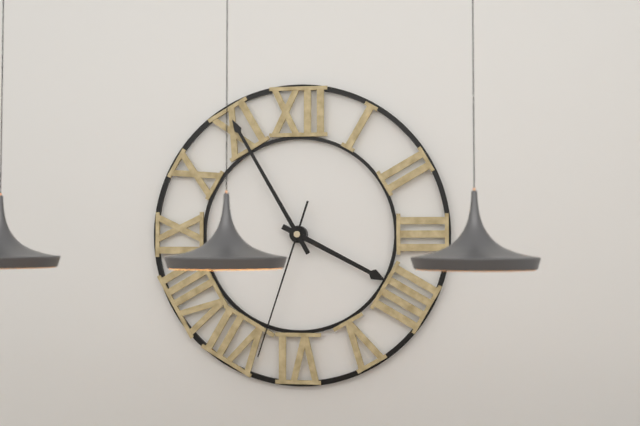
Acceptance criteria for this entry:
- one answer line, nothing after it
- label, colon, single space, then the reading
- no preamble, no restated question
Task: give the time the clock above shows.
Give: 3:55:33
